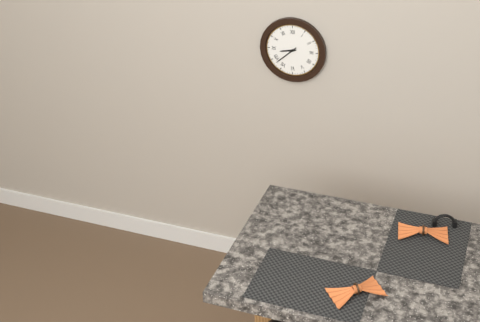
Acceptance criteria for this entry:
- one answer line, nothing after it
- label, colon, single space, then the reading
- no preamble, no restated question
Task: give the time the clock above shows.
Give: 8:38
